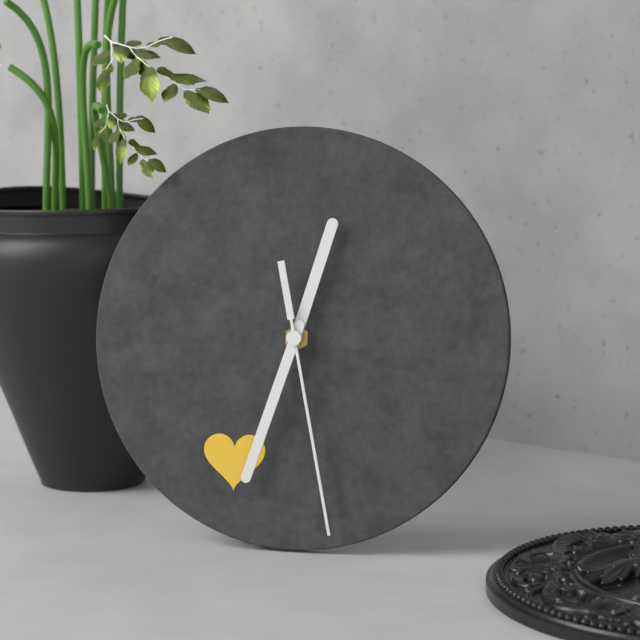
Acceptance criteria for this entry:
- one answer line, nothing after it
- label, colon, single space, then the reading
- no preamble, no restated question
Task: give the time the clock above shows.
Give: 12:33:28
